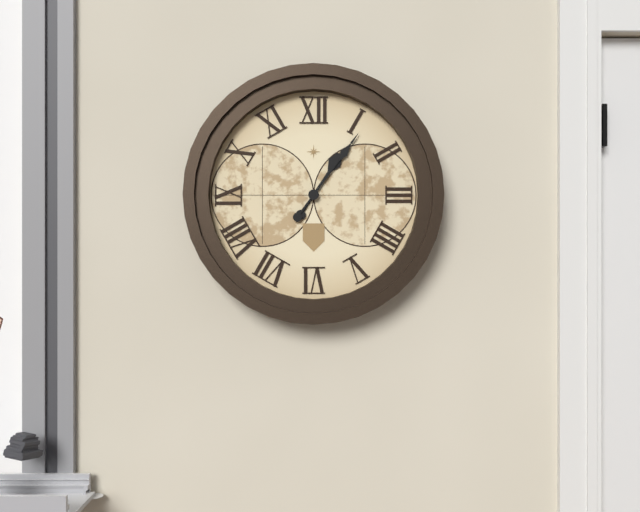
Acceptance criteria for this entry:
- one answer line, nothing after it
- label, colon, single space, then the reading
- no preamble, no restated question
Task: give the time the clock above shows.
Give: 1:06
